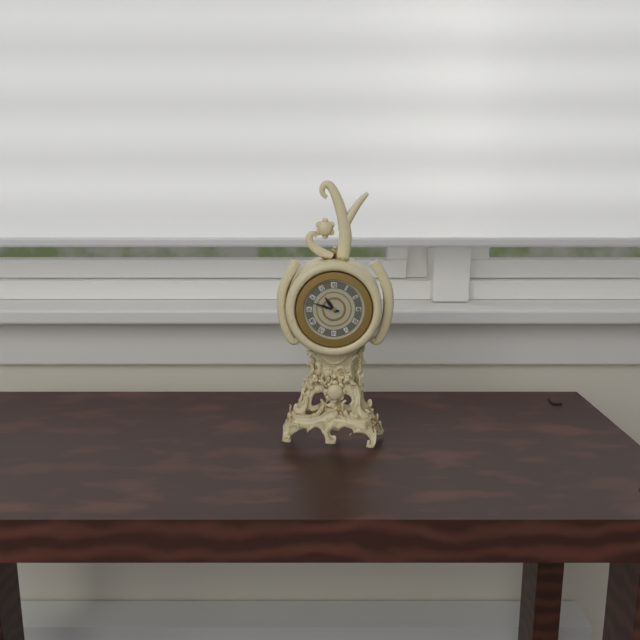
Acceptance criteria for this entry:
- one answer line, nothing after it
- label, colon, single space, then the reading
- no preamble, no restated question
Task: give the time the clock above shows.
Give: 10:48
